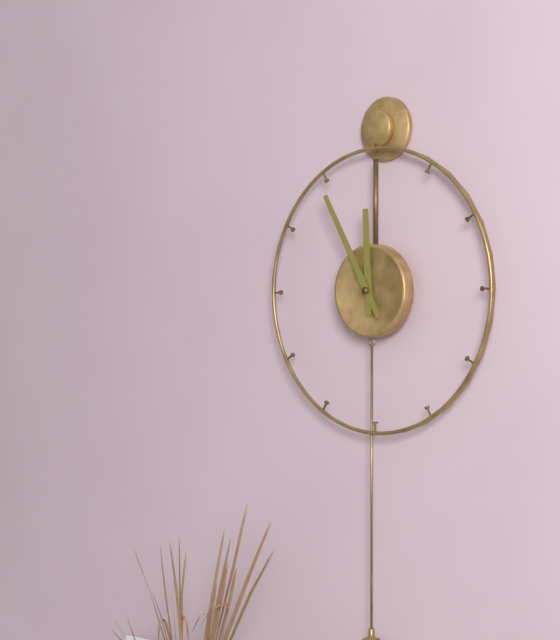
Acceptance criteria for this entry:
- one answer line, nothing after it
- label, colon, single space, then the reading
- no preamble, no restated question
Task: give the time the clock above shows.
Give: 11:55
